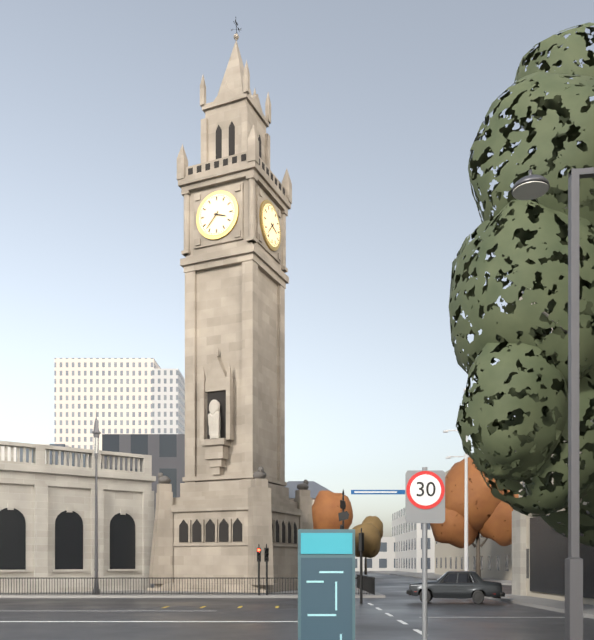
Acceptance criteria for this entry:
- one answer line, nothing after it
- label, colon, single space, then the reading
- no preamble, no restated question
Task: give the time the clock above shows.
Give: 3:37
